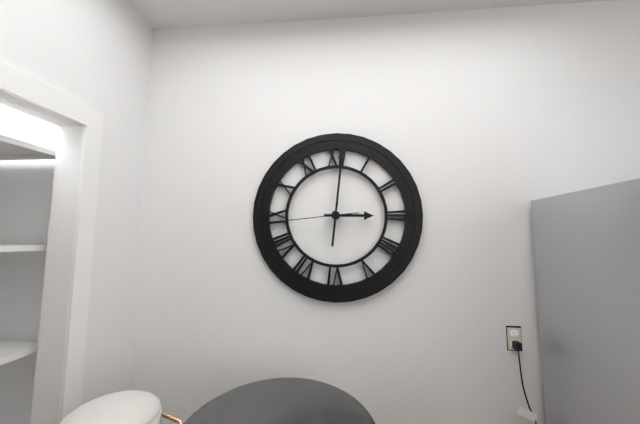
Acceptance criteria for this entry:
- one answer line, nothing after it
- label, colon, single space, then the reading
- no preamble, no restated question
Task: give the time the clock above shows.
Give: 3:01:44
